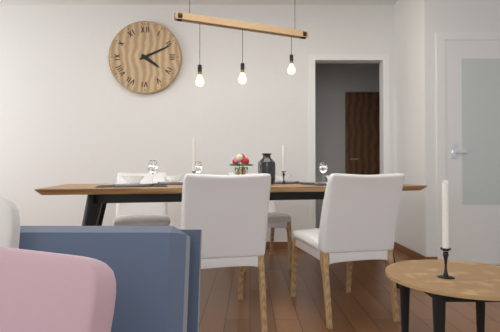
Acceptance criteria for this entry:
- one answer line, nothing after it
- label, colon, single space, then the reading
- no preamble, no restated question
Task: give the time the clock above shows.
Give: 4:11
